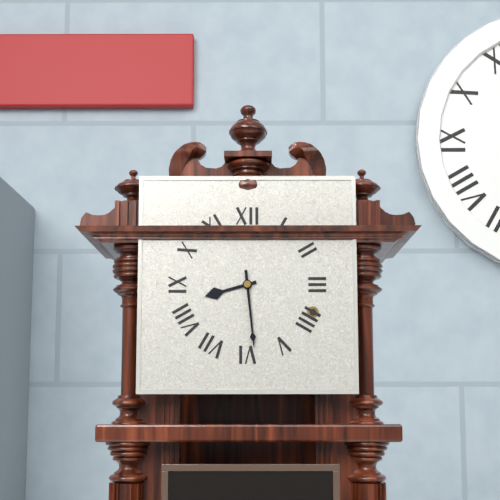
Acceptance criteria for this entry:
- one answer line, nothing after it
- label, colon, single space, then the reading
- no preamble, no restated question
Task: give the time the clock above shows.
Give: 8:29
